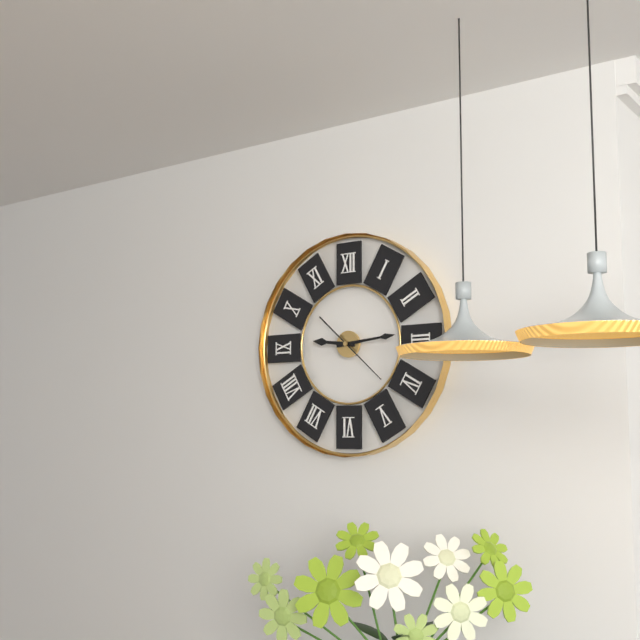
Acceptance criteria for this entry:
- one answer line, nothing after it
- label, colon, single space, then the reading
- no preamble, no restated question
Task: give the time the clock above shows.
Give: 9:14:22
